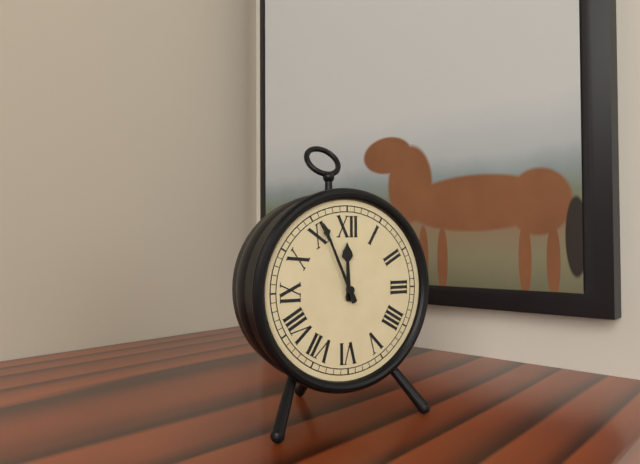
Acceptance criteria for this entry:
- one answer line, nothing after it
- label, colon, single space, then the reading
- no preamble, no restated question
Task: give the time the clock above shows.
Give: 11:56
